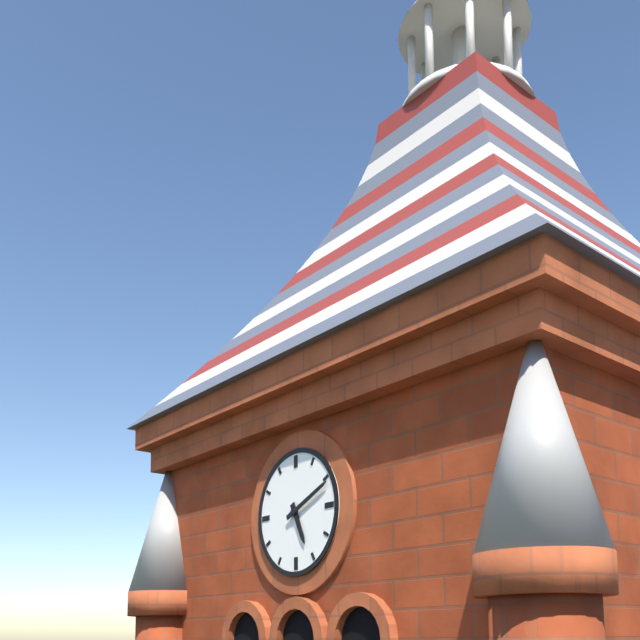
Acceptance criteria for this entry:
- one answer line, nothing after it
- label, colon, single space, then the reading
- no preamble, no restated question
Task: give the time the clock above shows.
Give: 5:11
